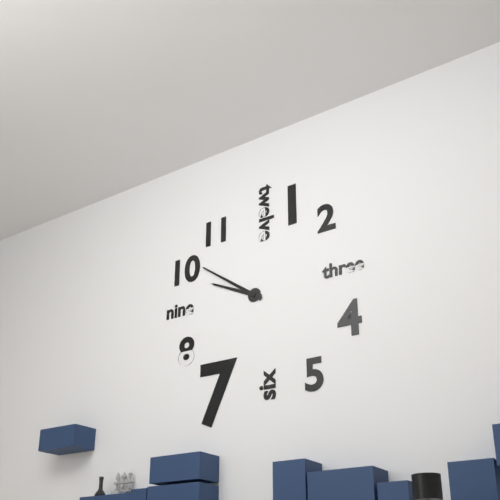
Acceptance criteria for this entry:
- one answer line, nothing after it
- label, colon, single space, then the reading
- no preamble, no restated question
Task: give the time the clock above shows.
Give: 9:51
